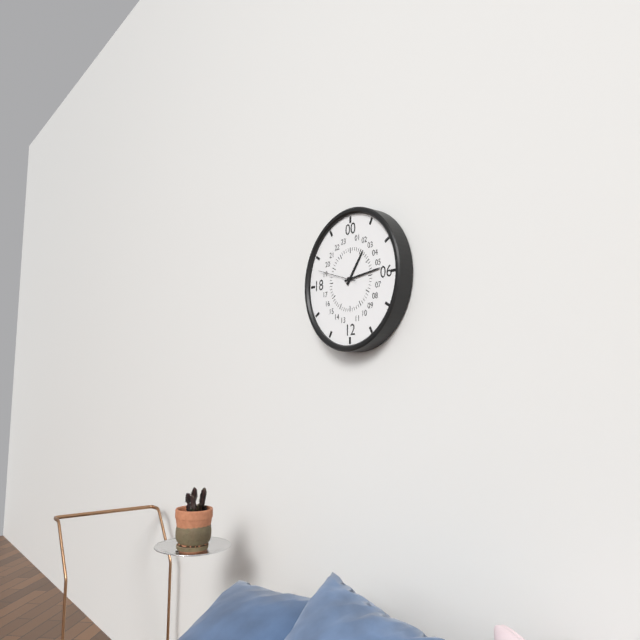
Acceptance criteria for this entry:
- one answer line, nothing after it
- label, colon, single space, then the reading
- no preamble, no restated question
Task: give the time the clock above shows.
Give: 1:14
